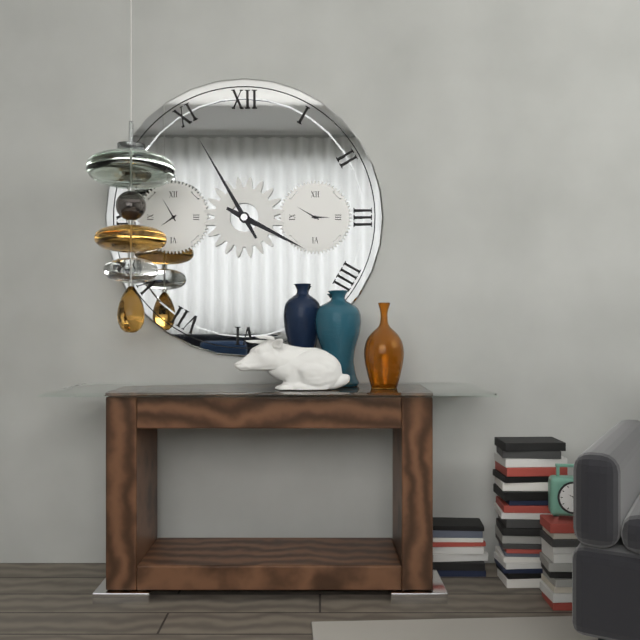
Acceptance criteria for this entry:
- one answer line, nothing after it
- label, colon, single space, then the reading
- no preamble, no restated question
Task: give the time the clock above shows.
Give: 3:55
